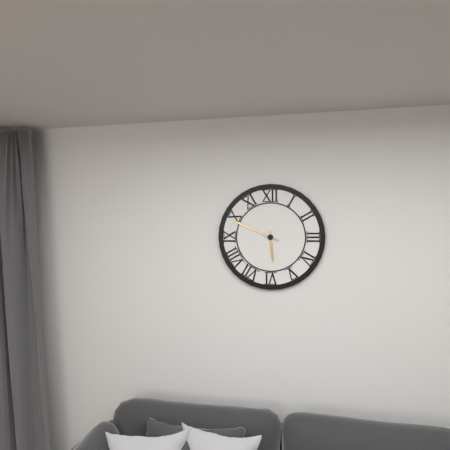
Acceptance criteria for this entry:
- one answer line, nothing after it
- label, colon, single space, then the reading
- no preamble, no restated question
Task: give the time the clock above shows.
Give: 5:49
